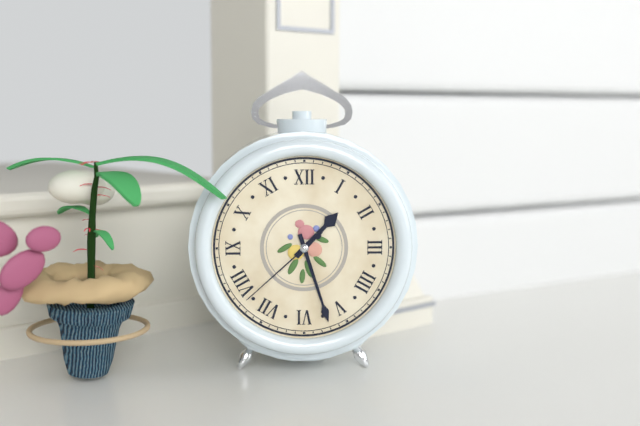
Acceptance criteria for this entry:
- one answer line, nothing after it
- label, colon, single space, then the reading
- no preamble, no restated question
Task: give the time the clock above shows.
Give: 1:27:38
